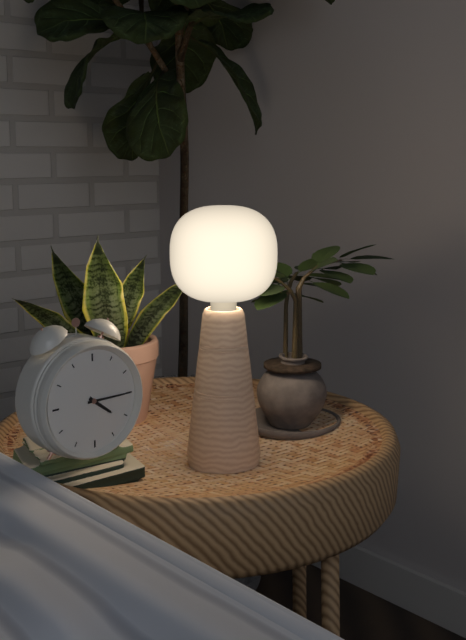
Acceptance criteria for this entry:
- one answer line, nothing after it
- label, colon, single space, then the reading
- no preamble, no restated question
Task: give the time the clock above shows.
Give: 4:15
